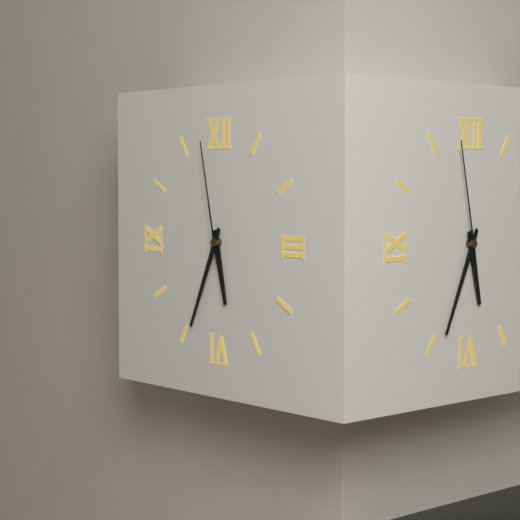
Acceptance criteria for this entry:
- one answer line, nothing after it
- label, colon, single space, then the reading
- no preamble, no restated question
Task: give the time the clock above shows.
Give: 5:34:58
